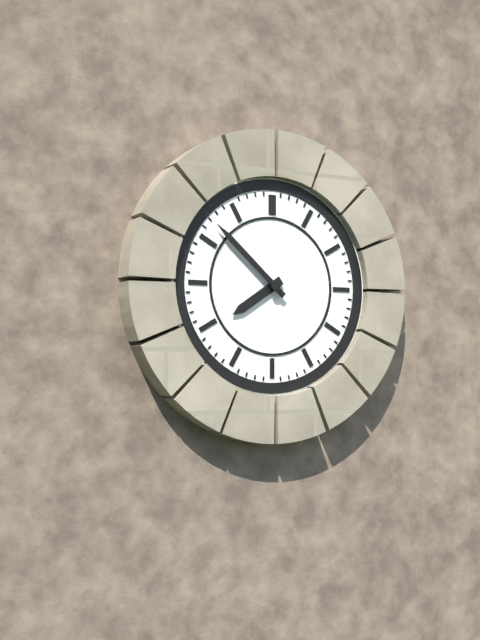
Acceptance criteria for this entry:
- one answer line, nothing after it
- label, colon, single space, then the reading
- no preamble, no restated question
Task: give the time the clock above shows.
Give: 7:52
